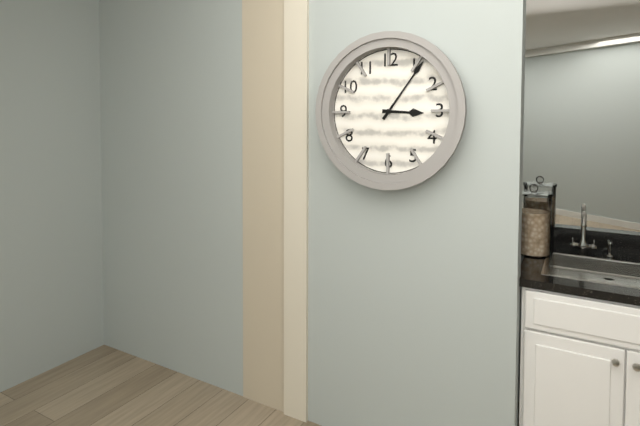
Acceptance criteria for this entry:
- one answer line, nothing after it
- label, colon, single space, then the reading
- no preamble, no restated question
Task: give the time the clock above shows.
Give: 3:06
